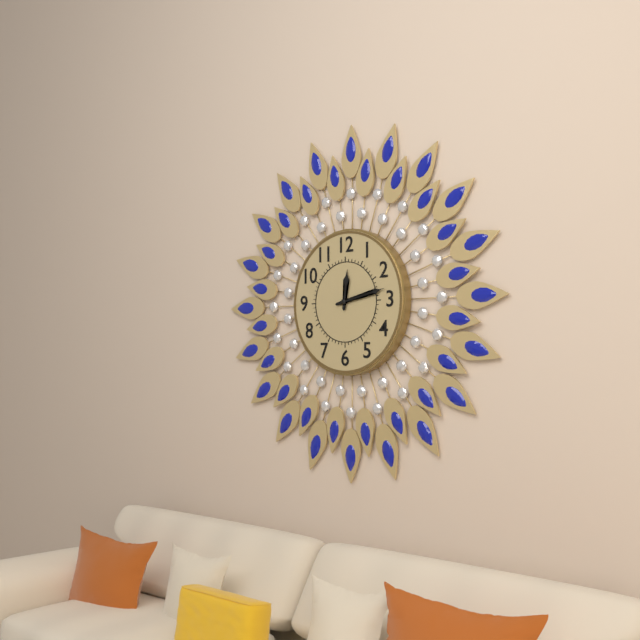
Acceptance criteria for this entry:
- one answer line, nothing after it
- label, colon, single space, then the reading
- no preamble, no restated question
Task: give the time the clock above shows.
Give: 12:13
